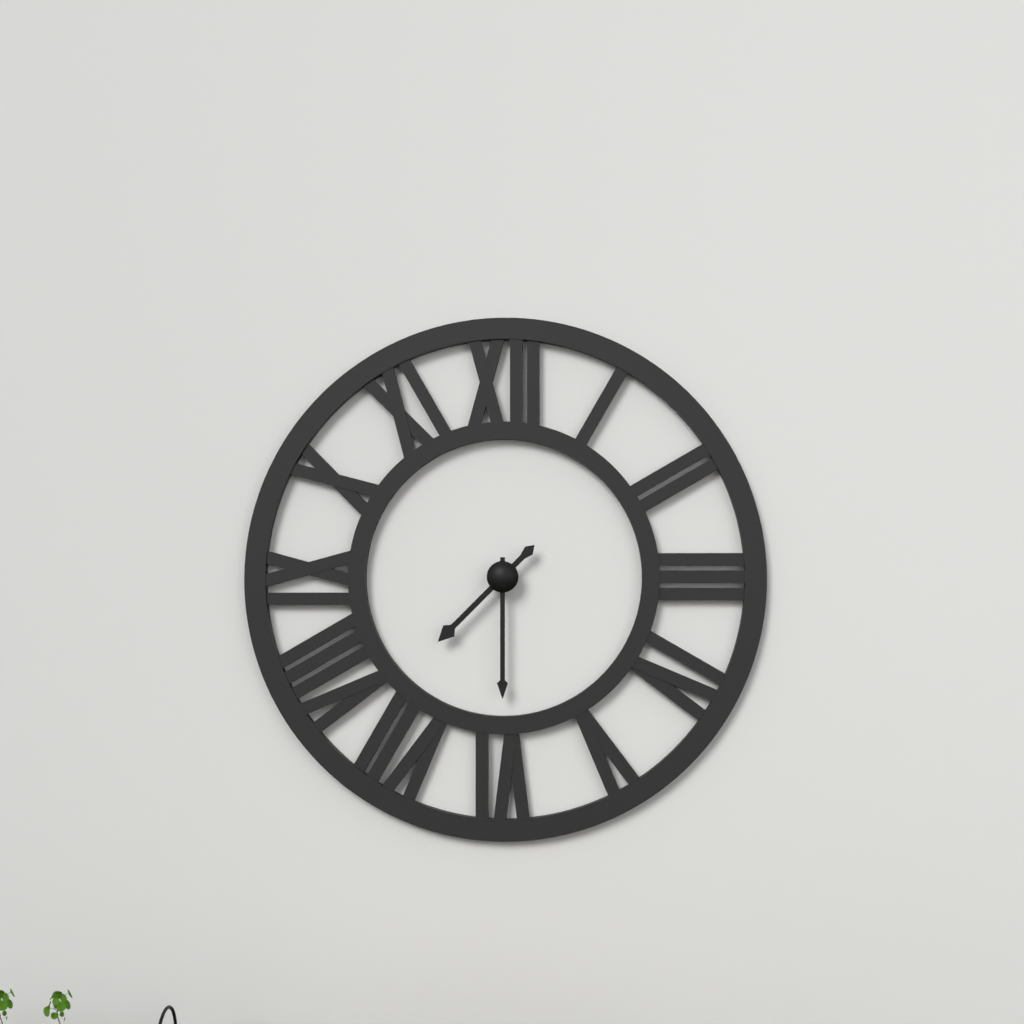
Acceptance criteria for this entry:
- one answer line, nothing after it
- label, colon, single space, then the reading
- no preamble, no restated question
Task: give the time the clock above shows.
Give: 7:30
